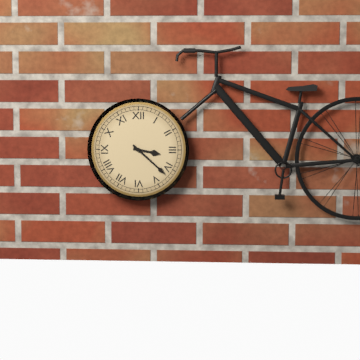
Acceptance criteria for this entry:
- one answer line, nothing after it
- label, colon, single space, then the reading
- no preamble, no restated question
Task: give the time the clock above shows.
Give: 3:22
